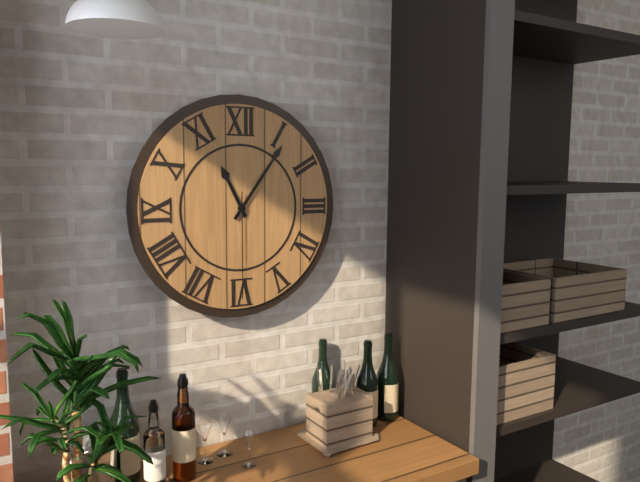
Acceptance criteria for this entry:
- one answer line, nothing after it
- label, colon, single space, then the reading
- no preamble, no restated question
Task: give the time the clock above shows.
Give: 11:06:30
